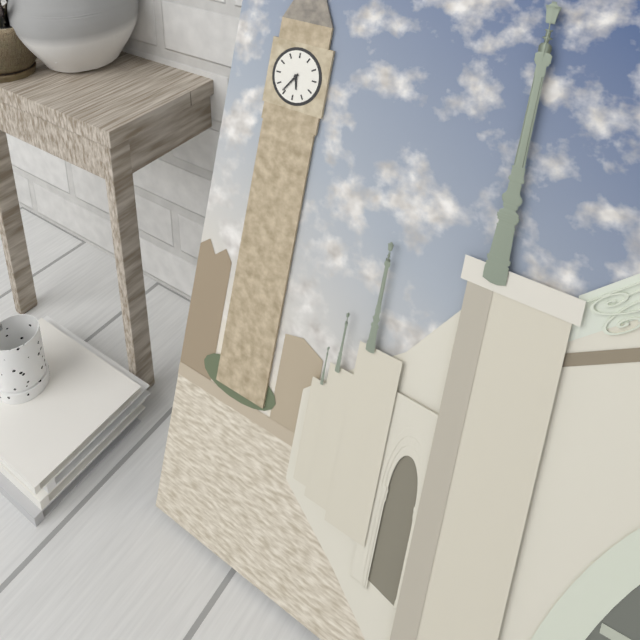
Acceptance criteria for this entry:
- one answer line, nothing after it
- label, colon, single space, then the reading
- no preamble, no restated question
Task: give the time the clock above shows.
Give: 5:36
